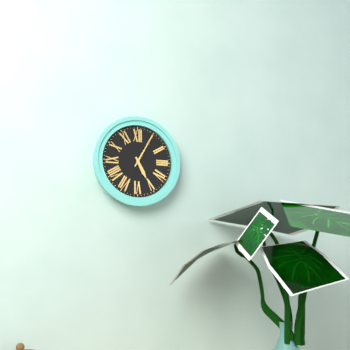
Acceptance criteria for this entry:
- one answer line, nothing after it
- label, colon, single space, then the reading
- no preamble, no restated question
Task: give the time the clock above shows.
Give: 5:05
